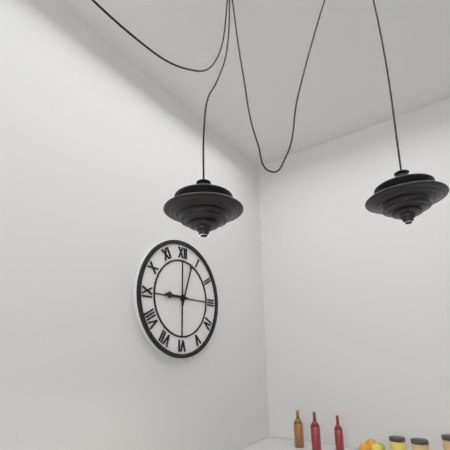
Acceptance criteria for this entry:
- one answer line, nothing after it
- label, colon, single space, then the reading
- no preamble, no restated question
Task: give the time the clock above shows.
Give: 9:03
